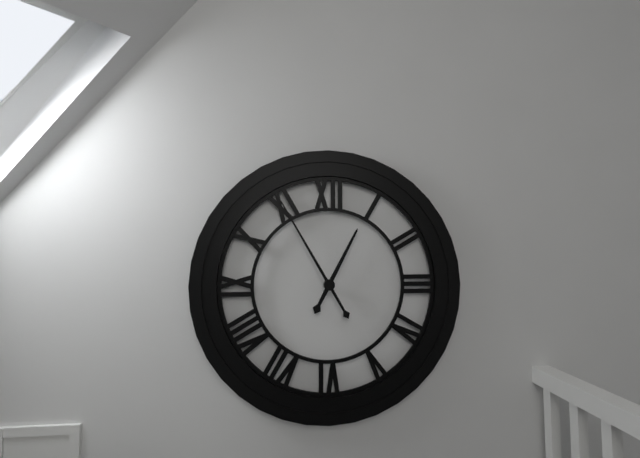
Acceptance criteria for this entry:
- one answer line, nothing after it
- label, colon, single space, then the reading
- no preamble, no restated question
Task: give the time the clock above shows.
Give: 12:55
